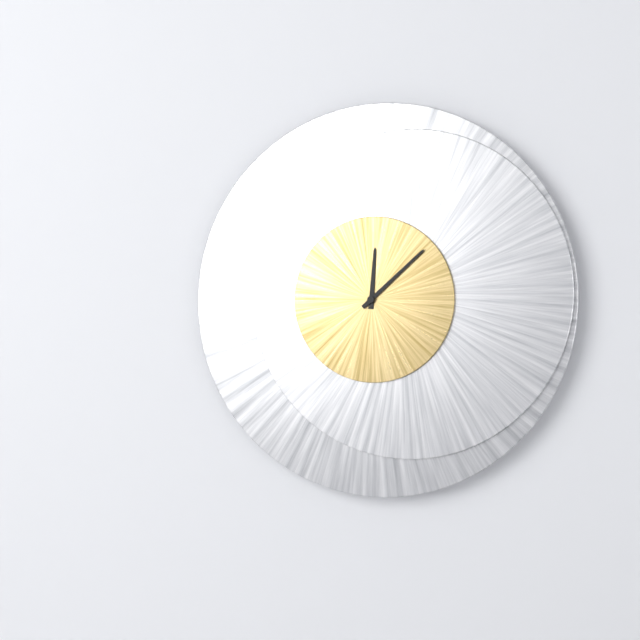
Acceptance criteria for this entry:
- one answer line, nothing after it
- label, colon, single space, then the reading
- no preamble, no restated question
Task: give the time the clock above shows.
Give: 12:08
